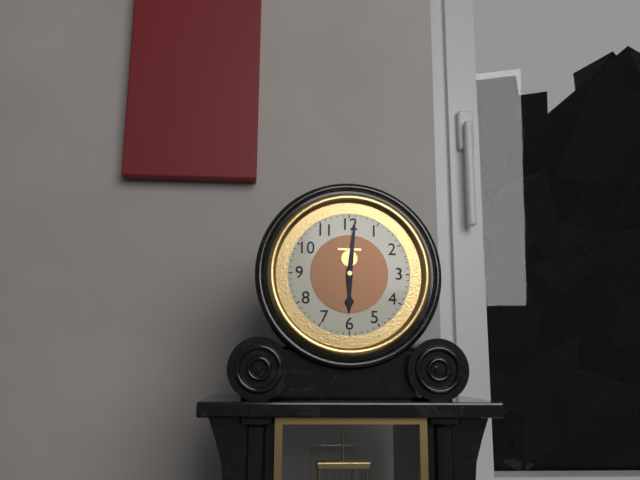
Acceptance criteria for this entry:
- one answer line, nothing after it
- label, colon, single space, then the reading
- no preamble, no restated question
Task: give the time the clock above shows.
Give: 6:01
